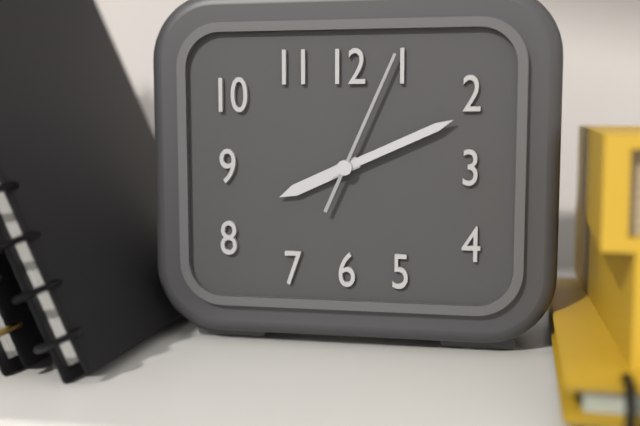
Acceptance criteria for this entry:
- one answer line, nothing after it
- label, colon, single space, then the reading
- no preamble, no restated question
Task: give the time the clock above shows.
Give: 8:11:04
